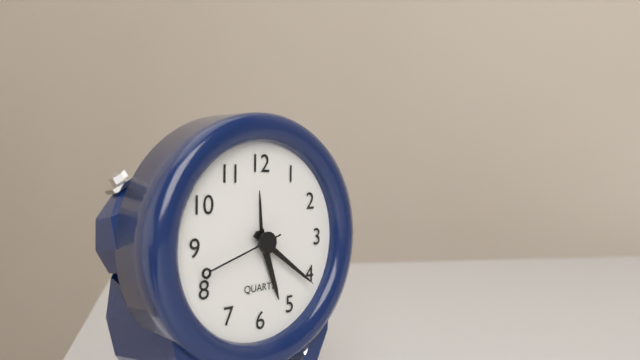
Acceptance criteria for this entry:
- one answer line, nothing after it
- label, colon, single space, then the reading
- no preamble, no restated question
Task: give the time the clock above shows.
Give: 5:21:42
